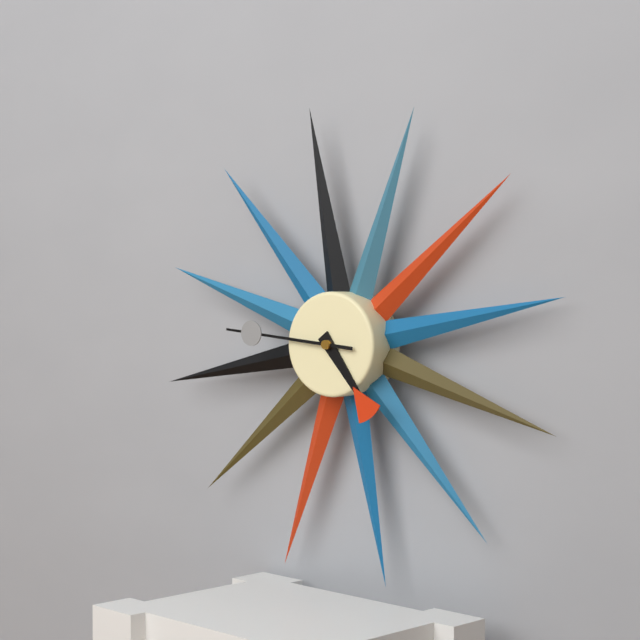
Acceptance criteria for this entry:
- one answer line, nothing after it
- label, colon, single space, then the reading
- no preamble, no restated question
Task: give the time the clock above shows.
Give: 4:46
